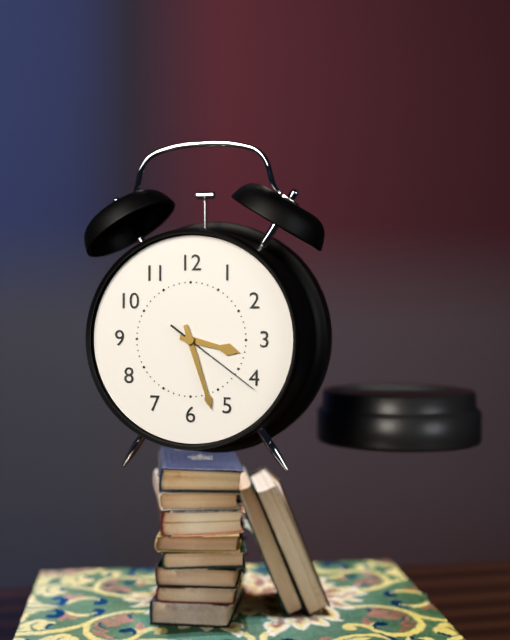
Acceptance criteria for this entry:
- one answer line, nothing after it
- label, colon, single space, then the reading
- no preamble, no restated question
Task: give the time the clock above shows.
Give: 3:27:21
